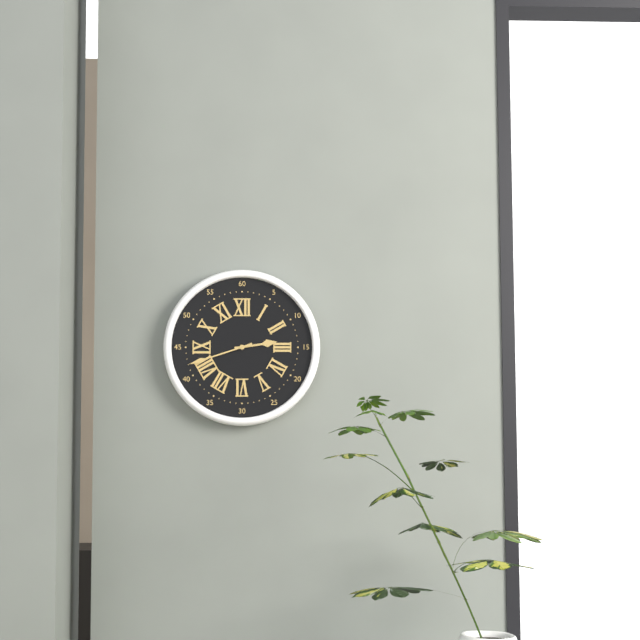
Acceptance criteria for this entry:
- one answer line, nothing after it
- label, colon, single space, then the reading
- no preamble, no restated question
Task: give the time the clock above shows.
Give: 2:42
